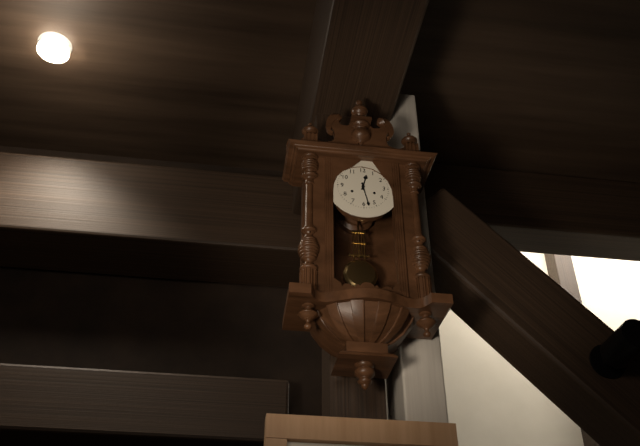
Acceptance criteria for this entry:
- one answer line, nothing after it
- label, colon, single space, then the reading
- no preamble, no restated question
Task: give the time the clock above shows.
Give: 12:28
